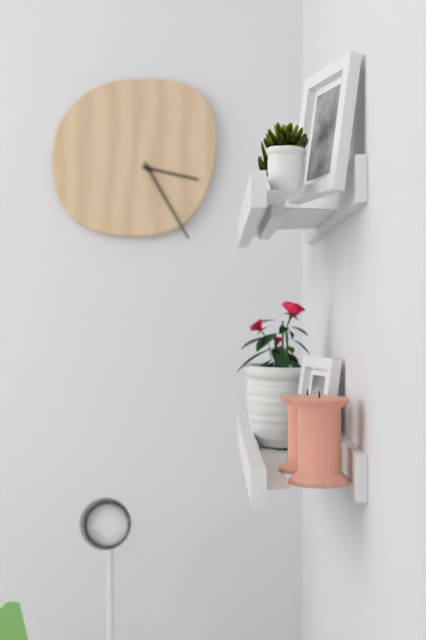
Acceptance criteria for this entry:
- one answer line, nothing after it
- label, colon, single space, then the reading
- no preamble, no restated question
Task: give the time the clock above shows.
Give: 3:25
